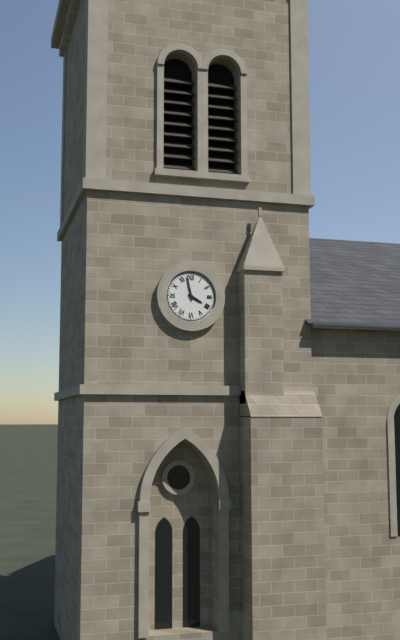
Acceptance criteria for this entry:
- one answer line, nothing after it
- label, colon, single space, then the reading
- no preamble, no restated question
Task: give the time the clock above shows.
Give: 3:58
